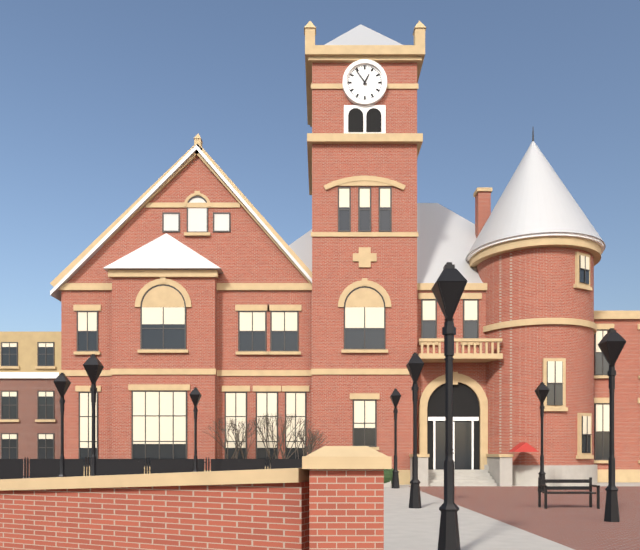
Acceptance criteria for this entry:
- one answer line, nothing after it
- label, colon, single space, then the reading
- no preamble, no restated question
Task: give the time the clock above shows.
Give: 12:54
